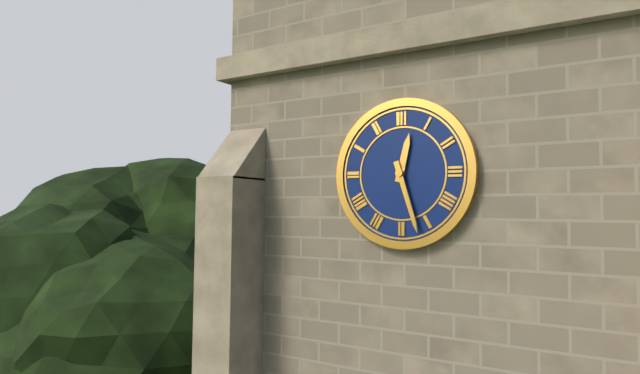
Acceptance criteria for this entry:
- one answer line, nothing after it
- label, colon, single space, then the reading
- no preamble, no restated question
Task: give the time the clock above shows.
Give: 12:27
